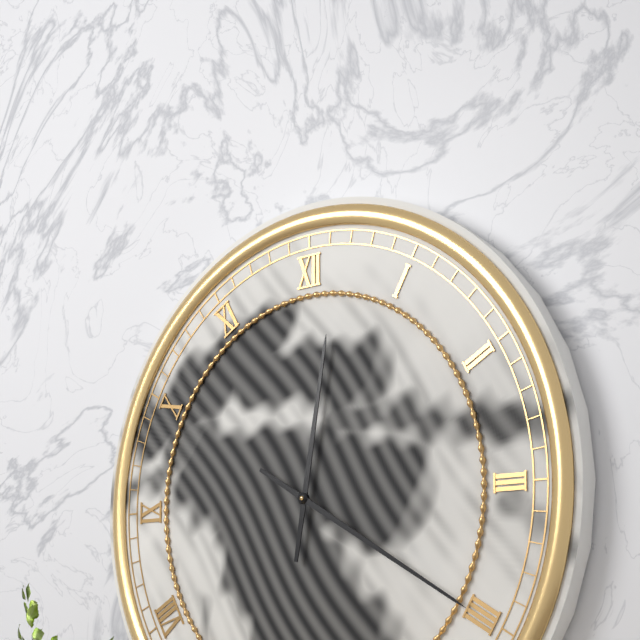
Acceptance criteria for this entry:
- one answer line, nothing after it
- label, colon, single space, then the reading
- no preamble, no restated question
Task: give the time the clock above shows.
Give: 12:20
